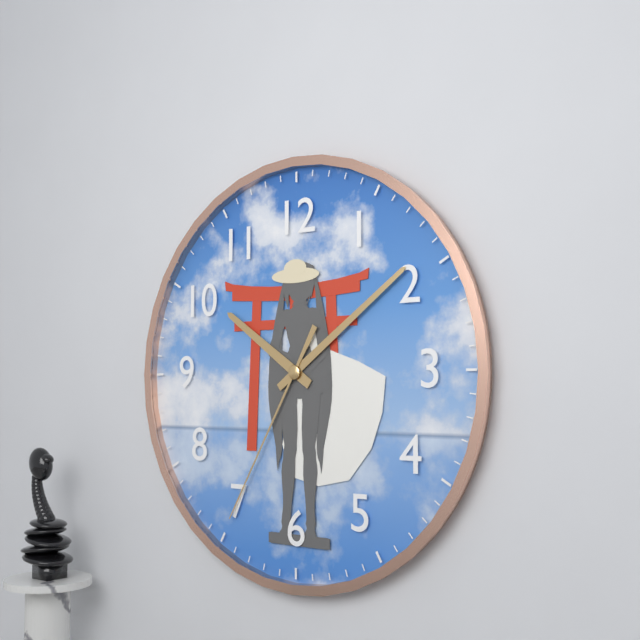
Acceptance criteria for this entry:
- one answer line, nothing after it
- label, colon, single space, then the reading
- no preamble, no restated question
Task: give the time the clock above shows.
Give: 10:09:35
